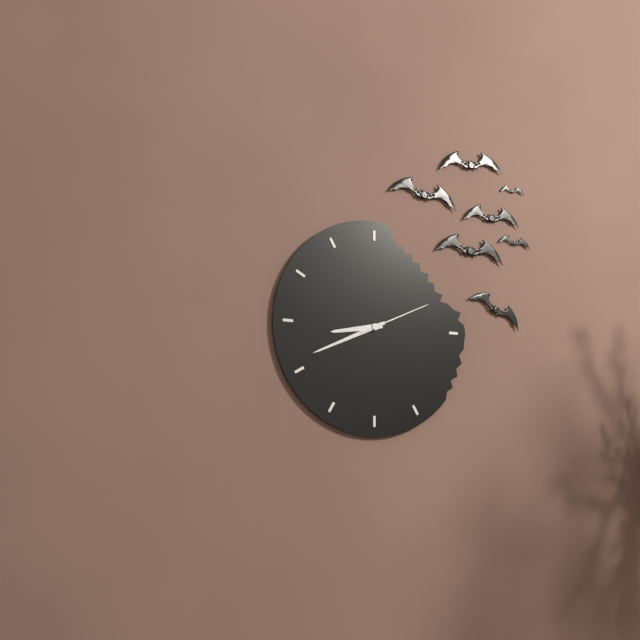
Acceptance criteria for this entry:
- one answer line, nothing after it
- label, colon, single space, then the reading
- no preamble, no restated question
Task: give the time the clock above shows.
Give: 8:41:11
